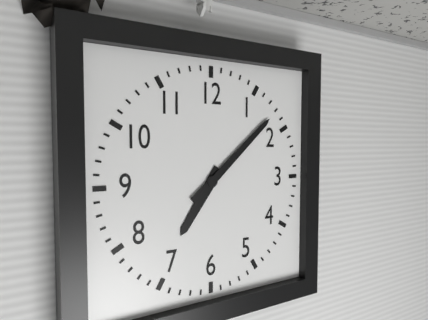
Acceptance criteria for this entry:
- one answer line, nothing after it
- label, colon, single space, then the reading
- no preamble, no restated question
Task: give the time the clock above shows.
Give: 7:08
